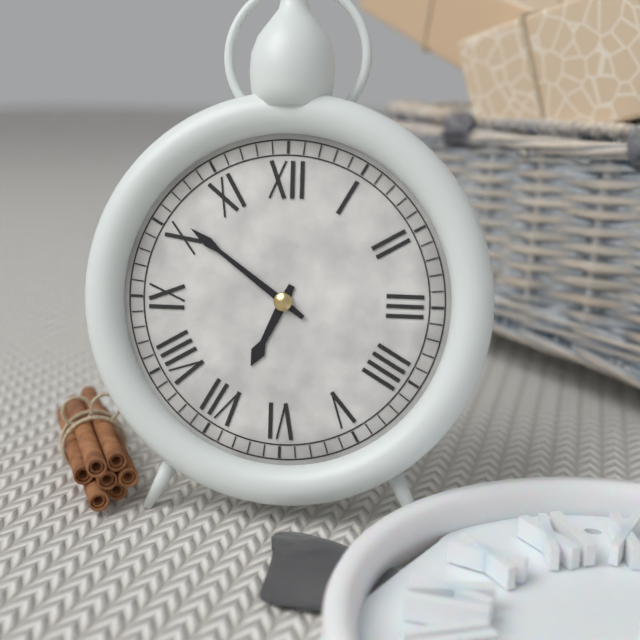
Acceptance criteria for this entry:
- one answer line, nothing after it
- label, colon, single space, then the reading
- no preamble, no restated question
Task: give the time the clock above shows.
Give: 6:51
